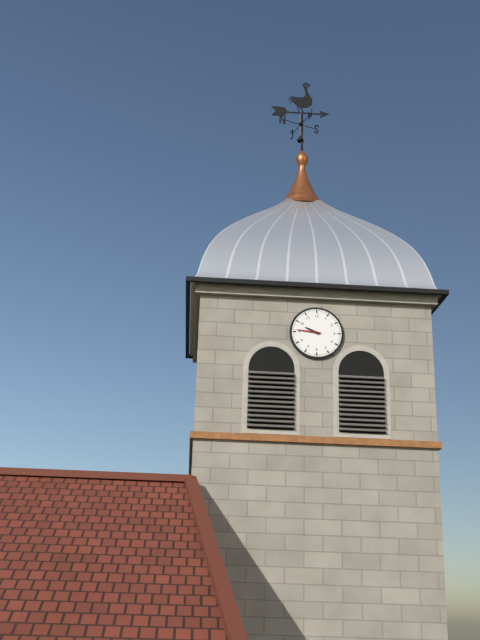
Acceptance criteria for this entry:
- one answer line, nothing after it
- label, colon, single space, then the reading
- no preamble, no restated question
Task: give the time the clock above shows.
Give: 9:46
